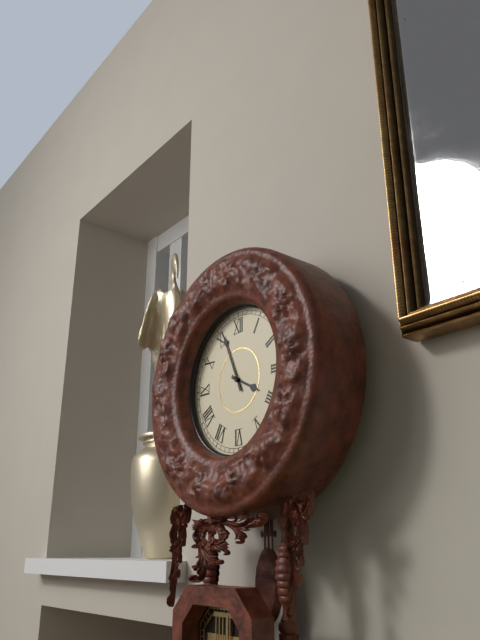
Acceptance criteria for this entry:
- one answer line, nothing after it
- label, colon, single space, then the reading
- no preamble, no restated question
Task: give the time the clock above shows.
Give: 3:56
